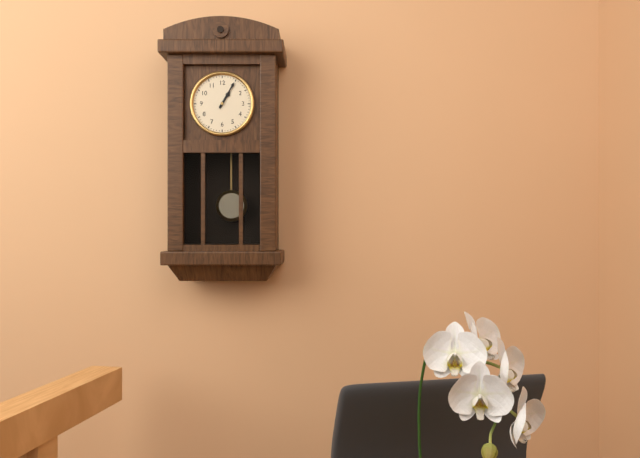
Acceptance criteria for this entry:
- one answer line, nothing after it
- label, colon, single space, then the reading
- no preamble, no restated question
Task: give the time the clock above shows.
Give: 1:05
